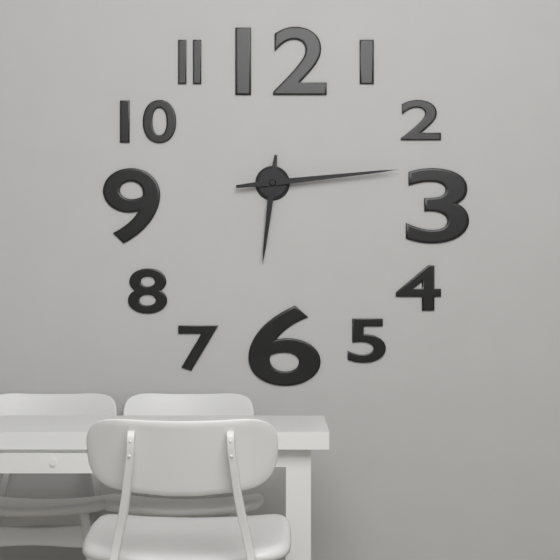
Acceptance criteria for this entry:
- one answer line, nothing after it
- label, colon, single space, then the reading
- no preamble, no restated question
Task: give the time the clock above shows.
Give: 6:14
